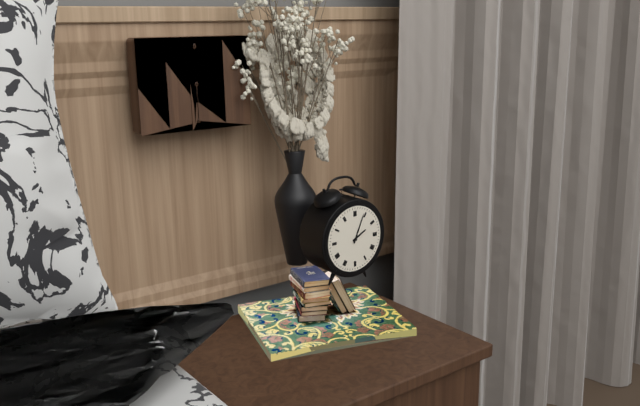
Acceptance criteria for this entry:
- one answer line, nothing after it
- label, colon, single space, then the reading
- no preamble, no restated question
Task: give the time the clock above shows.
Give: 2:04
